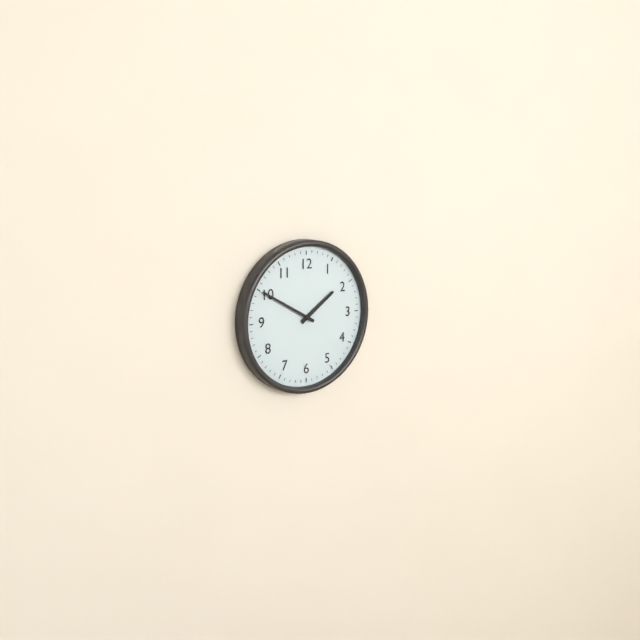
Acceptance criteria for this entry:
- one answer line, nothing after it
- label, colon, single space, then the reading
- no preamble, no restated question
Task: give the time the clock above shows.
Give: 1:50
